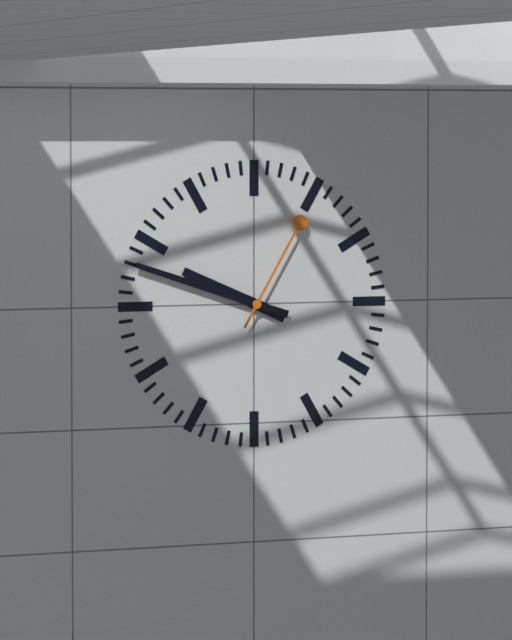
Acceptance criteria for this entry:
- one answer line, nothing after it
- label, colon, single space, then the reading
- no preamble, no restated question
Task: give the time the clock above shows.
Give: 9:48:05
